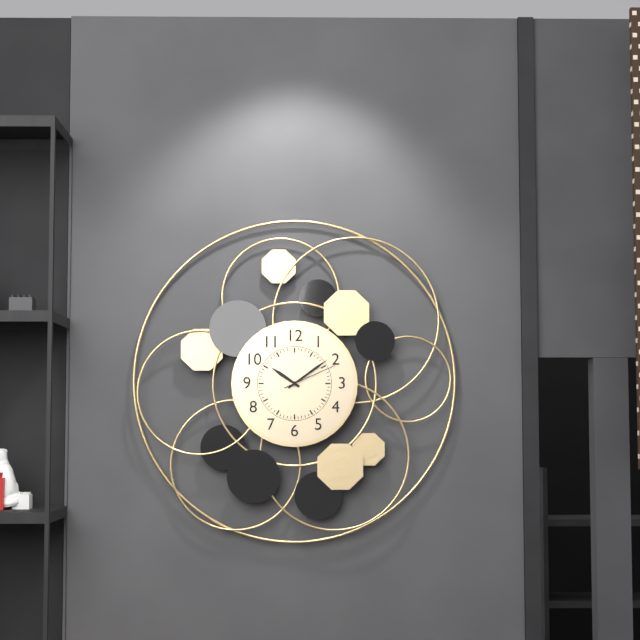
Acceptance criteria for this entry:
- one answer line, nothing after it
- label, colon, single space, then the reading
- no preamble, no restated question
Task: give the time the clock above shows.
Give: 10:09:11
